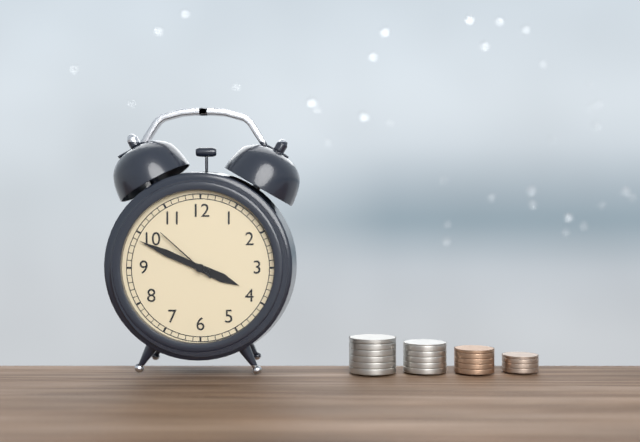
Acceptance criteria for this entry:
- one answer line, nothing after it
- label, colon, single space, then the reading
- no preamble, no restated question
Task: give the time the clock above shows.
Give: 3:49:52
